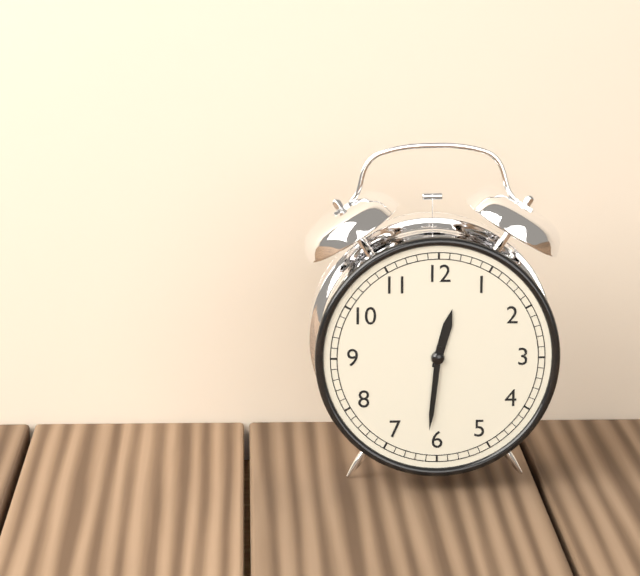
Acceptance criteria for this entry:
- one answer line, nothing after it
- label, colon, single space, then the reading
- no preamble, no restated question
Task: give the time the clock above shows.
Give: 12:31
